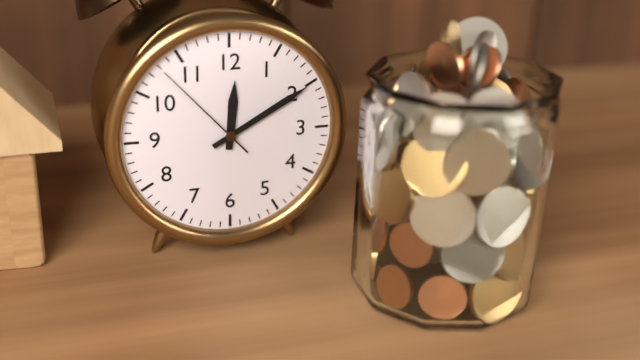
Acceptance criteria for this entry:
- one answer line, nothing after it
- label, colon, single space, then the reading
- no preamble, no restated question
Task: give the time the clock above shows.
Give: 12:10:53
